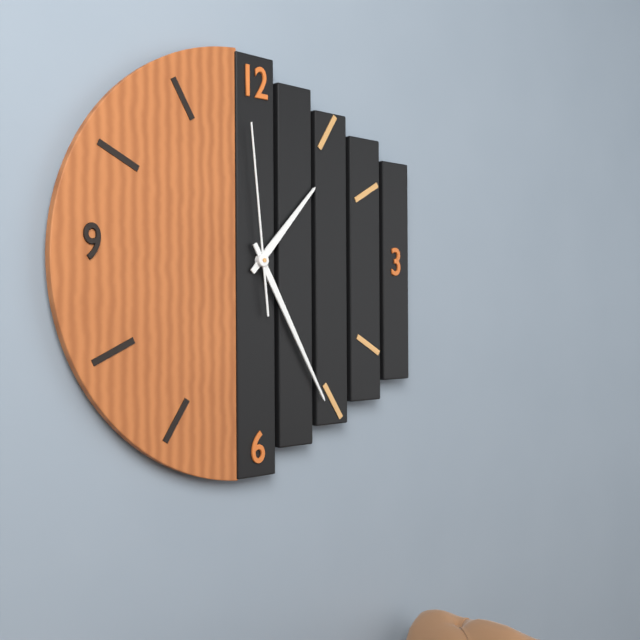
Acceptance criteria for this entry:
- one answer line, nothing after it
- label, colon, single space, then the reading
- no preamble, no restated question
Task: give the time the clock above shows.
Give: 1:25:59
